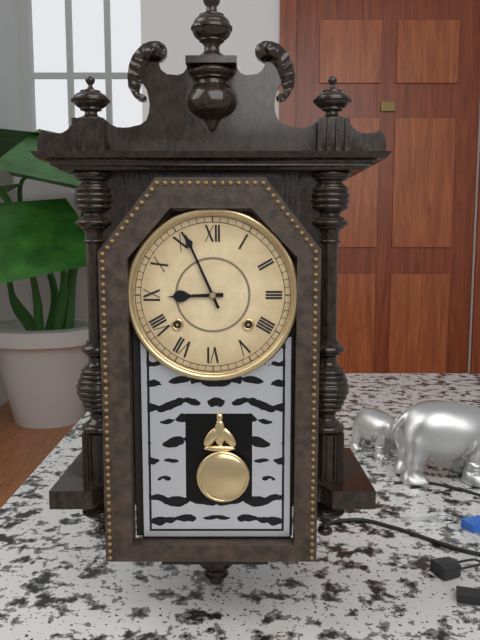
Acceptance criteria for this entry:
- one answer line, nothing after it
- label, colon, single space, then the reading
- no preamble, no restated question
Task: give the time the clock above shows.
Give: 8:56
